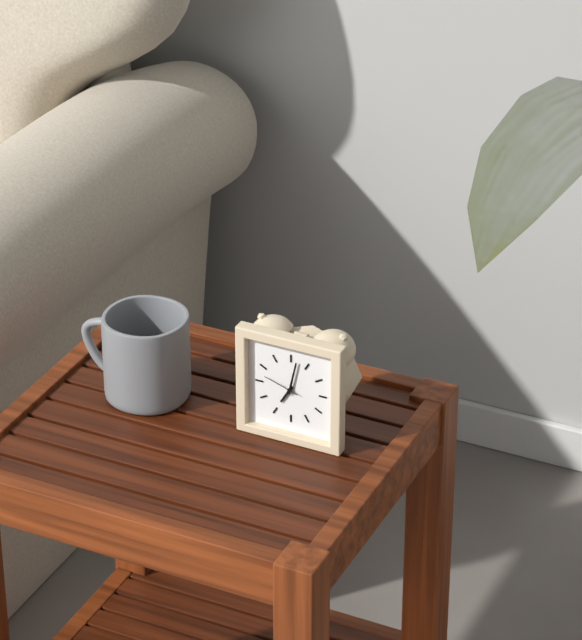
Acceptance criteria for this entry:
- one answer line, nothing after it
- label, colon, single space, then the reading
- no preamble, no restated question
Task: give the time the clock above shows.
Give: 7:02
